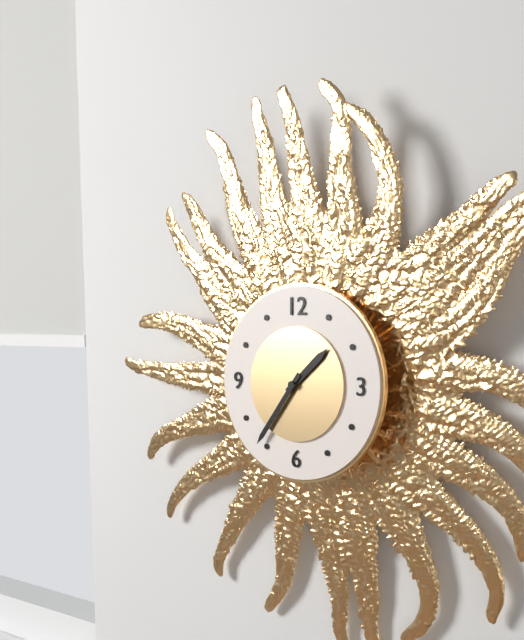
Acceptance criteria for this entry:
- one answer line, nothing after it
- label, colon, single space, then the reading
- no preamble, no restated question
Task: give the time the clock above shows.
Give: 1:36
